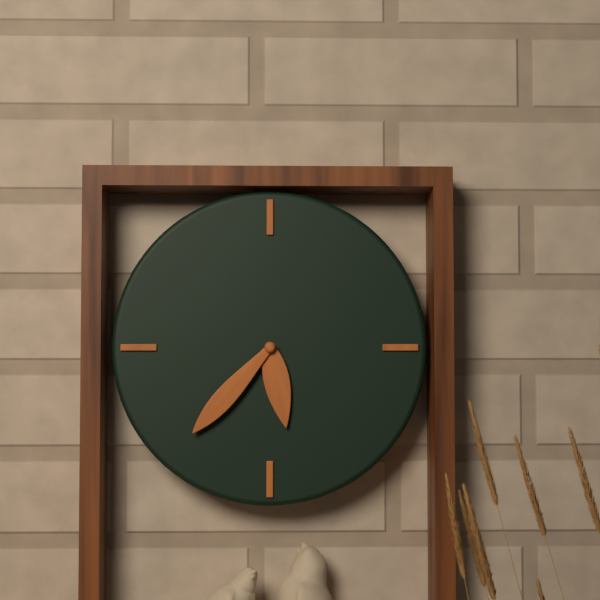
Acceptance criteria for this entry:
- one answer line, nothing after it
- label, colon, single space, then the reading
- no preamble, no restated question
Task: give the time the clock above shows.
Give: 5:37
